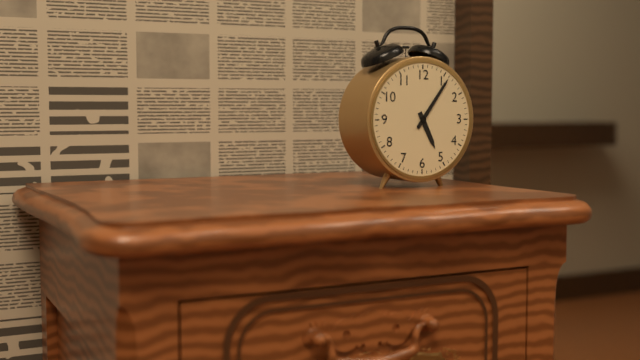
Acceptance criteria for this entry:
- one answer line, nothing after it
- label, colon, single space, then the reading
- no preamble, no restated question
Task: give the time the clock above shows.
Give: 5:06
